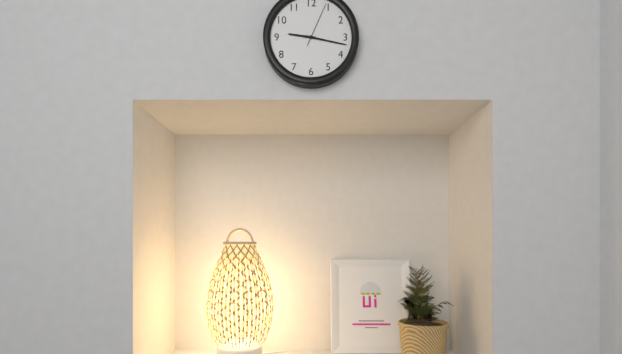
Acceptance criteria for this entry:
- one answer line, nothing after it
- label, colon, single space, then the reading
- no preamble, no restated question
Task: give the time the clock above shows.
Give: 9:17
